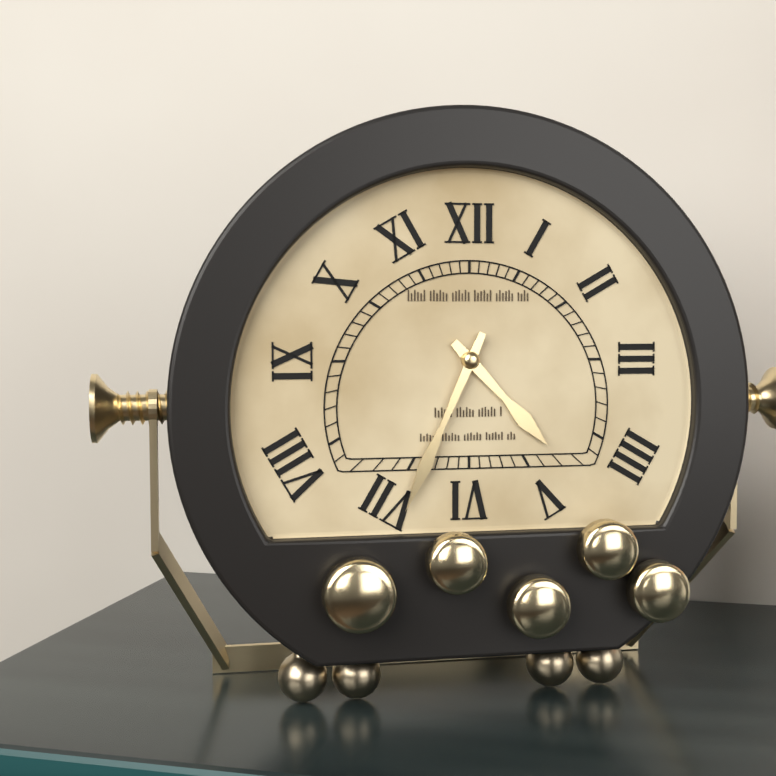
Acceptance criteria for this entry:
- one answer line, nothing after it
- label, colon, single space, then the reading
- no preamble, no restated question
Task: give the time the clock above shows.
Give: 4:34
